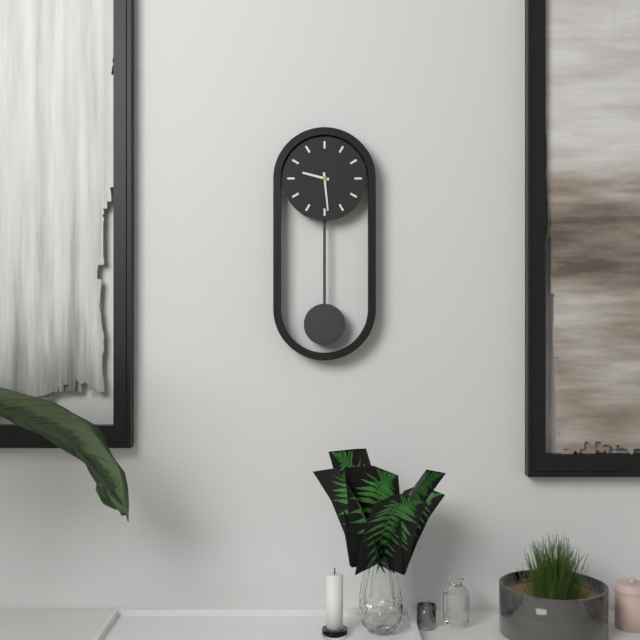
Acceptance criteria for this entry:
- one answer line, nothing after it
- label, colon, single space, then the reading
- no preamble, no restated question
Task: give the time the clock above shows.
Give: 9:29
